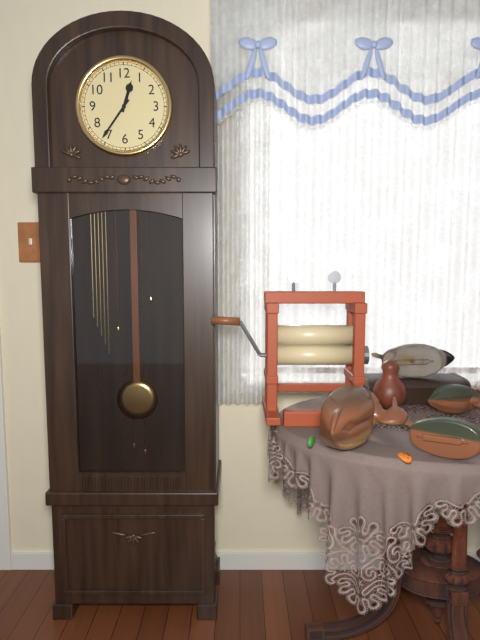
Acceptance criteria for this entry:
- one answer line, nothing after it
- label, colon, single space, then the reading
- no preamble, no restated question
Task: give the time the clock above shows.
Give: 12:36
